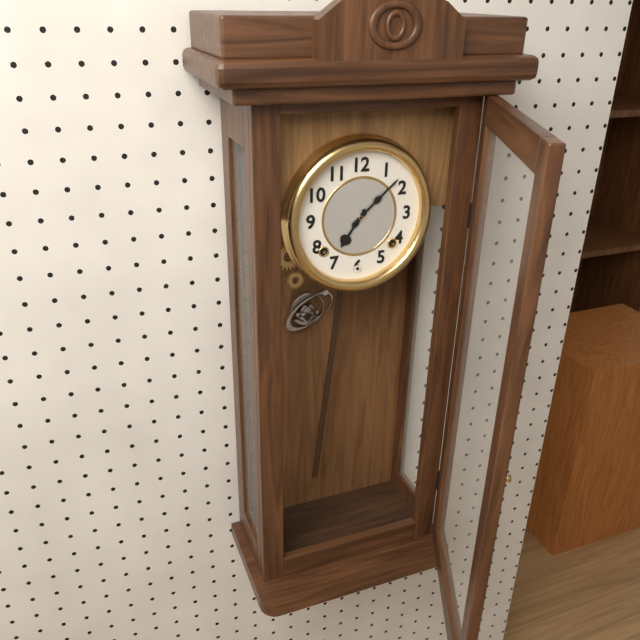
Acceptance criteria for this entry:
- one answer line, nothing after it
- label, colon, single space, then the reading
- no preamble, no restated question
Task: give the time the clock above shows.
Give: 7:08
